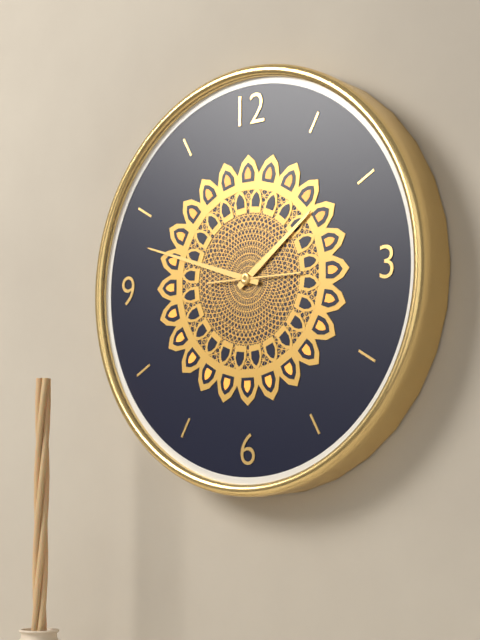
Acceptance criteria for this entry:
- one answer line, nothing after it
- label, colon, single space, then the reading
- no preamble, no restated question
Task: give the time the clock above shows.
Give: 1:48
